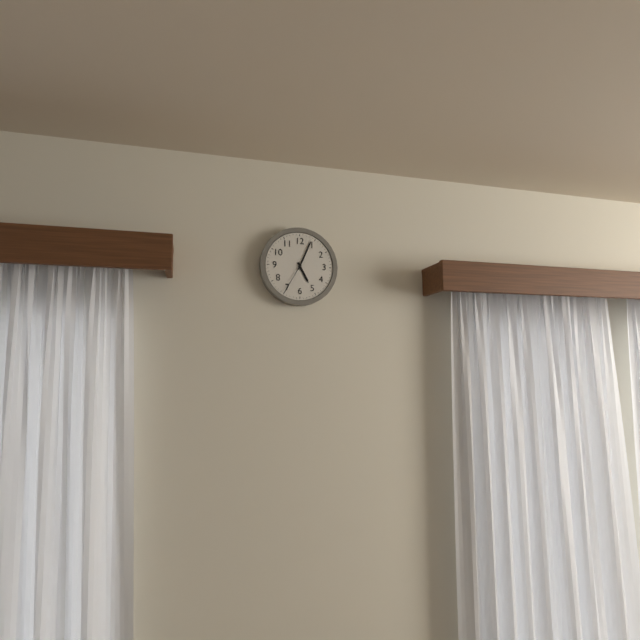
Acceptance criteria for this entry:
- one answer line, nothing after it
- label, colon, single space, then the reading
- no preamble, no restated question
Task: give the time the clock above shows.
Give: 5:04
